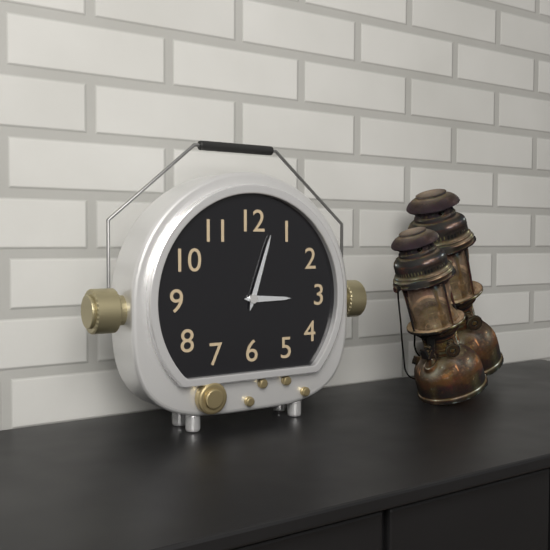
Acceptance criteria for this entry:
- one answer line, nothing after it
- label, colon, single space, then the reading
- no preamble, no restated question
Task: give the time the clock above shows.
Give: 3:03
